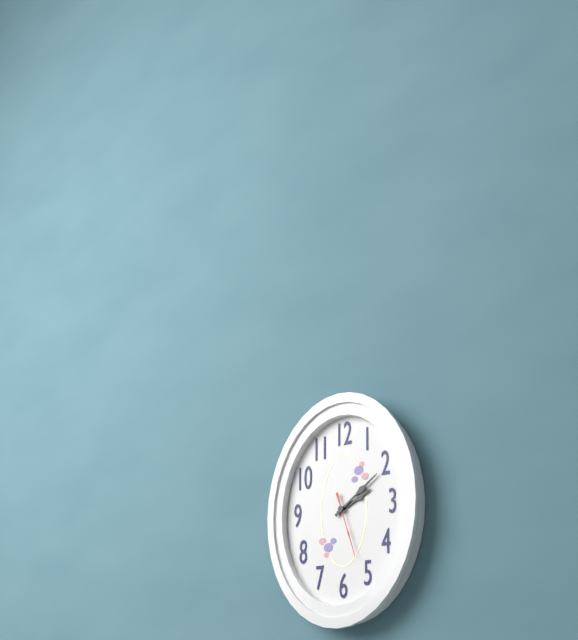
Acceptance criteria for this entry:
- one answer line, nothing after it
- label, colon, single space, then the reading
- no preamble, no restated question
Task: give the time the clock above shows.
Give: 2:09:27
